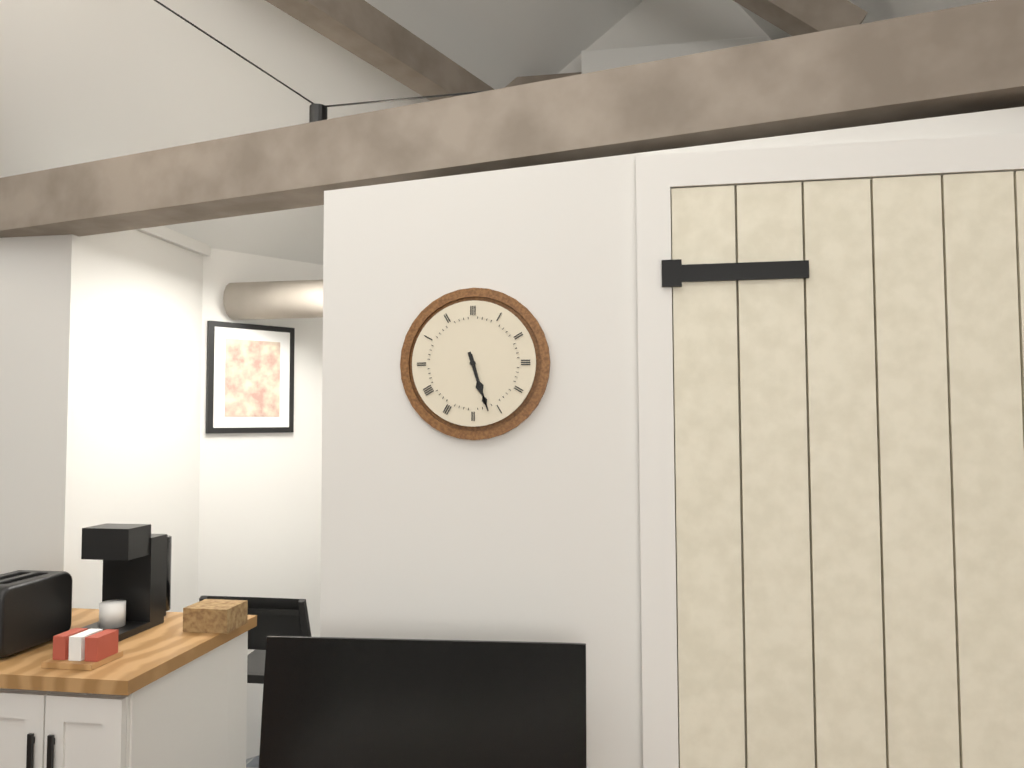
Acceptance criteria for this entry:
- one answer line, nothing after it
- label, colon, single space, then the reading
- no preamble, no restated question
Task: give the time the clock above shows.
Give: 5:27
